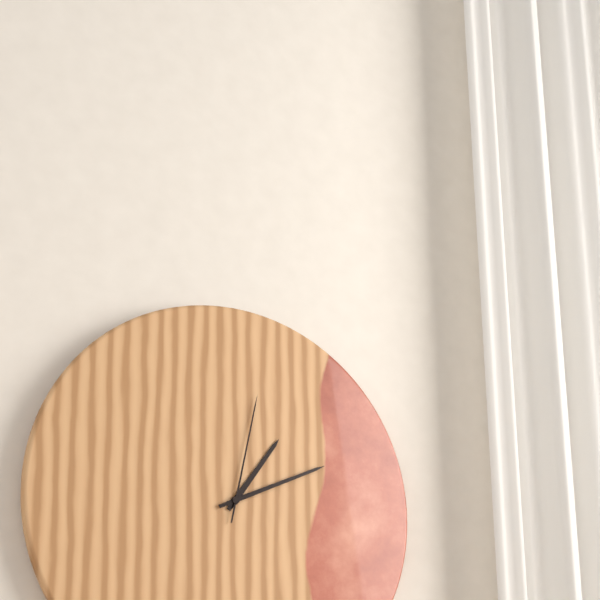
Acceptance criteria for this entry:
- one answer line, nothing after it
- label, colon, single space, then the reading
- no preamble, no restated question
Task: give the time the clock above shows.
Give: 1:11:02
